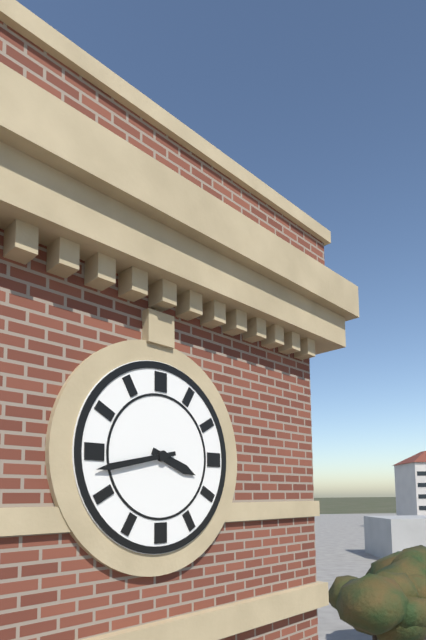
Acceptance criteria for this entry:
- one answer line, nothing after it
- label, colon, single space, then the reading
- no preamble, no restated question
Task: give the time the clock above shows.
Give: 3:43
